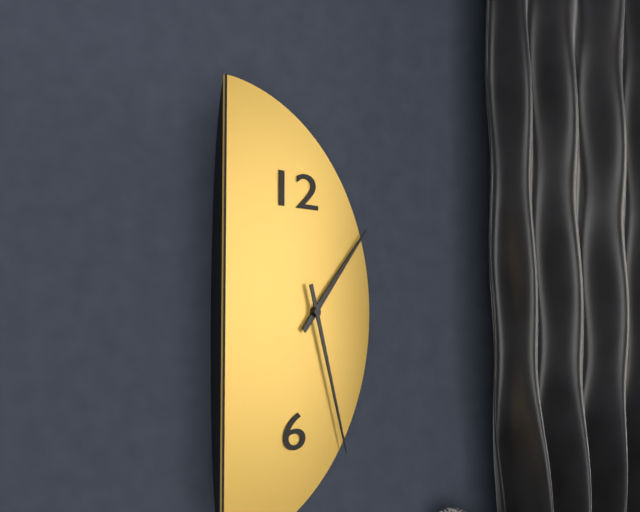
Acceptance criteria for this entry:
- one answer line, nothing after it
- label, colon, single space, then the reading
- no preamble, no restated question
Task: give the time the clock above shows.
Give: 1:27
